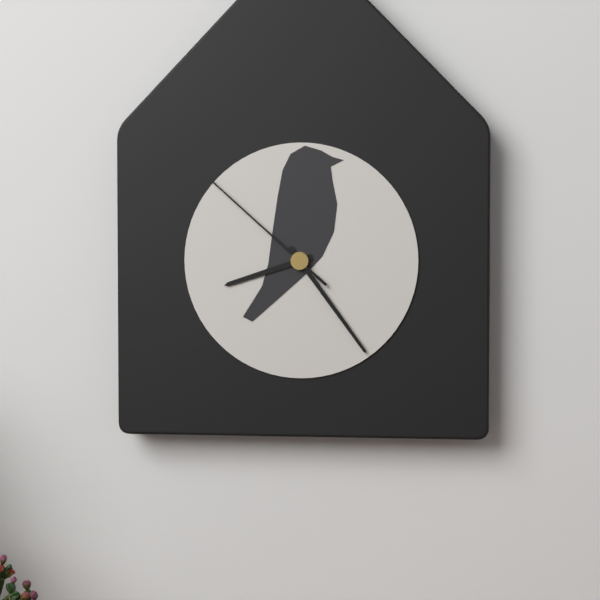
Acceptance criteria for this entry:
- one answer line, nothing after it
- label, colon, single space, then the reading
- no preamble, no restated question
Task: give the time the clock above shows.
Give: 8:24:52
